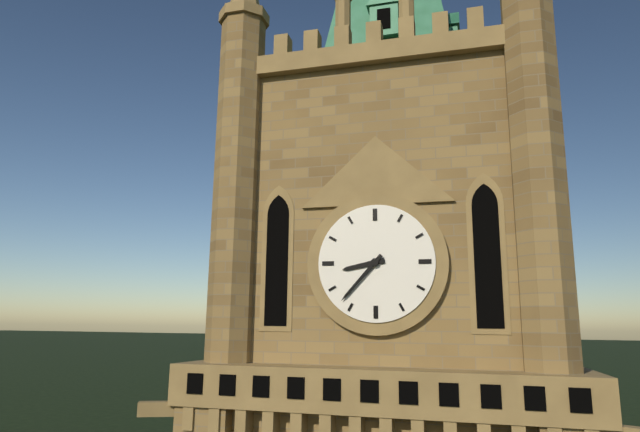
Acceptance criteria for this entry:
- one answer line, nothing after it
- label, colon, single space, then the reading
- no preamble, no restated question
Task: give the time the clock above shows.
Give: 8:37
